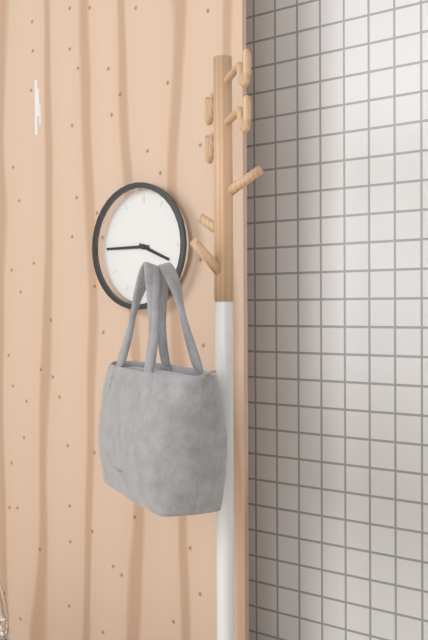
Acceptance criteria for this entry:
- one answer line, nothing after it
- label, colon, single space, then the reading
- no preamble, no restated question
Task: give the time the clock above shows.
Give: 3:45
